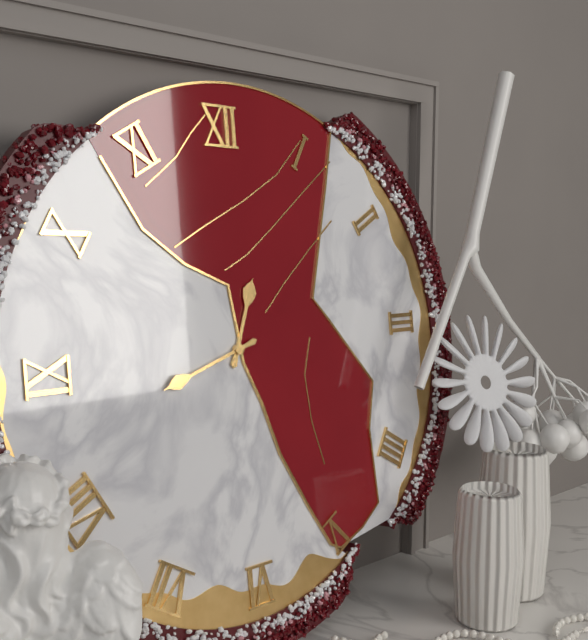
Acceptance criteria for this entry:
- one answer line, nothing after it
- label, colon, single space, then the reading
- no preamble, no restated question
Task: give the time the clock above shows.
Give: 12:42
